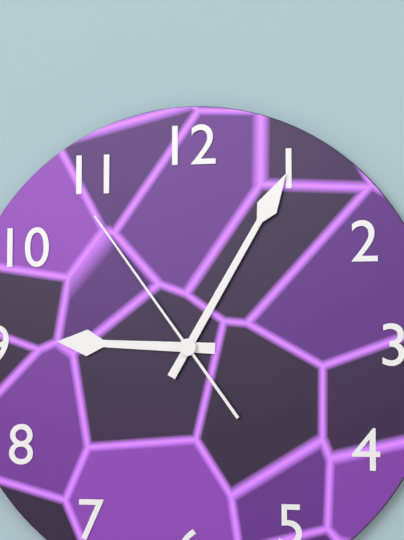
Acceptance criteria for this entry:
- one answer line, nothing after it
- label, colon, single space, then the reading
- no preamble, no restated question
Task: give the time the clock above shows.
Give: 9:05:54
